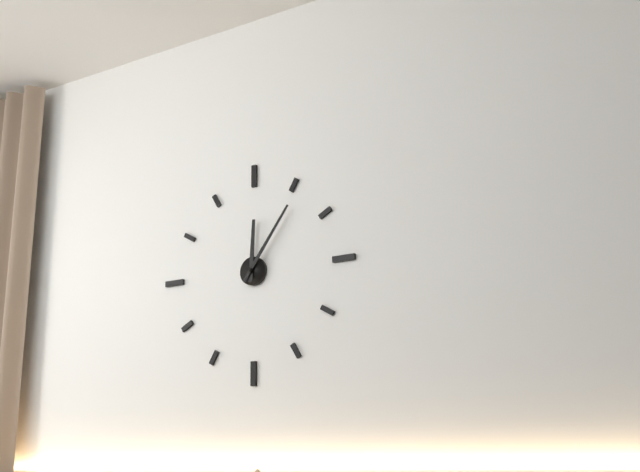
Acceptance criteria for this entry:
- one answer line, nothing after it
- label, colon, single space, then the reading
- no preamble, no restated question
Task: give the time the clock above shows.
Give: 12:06
